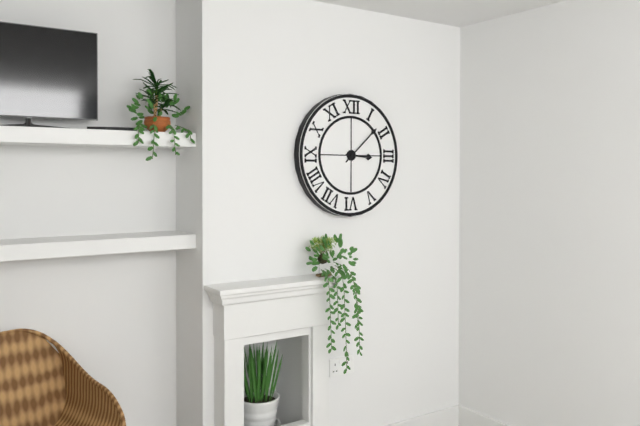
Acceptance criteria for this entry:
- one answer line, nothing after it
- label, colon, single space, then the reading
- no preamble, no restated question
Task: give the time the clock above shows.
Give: 3:08
